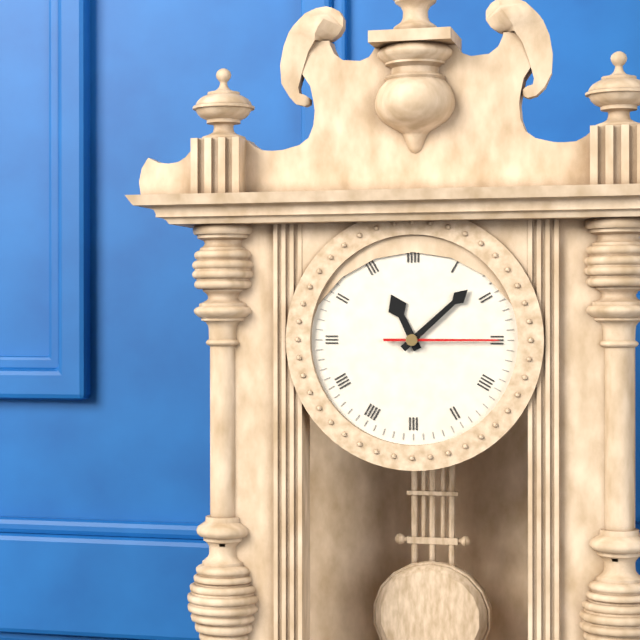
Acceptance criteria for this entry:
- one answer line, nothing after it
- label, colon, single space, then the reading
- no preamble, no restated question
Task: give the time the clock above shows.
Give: 11:08:15
